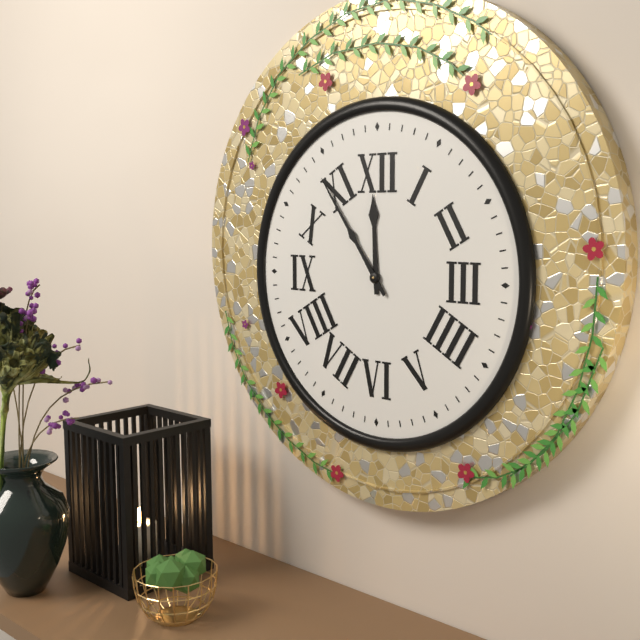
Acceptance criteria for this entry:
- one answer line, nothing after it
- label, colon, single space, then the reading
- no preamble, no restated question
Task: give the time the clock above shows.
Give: 11:54
